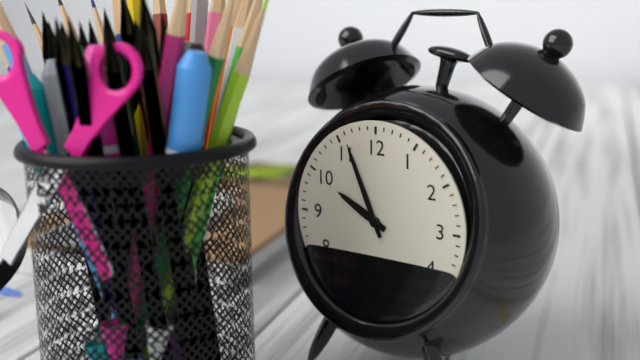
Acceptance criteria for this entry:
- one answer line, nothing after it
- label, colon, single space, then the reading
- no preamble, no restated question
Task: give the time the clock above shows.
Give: 9:56
